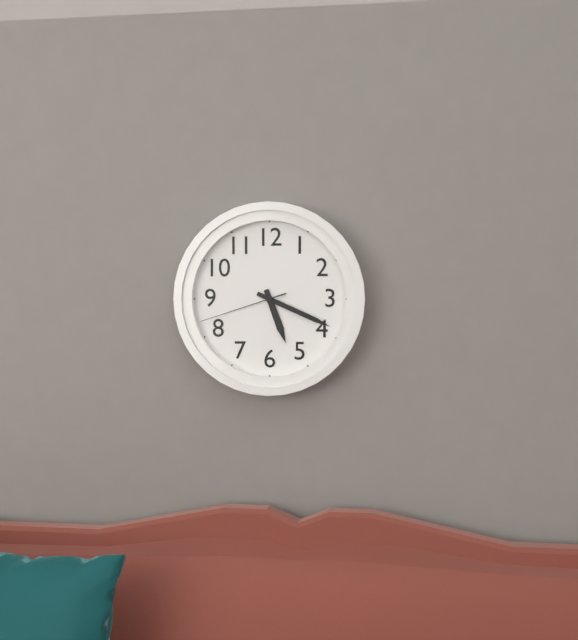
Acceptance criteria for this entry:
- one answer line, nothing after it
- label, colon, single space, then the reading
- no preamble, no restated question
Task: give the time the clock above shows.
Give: 5:19:42
